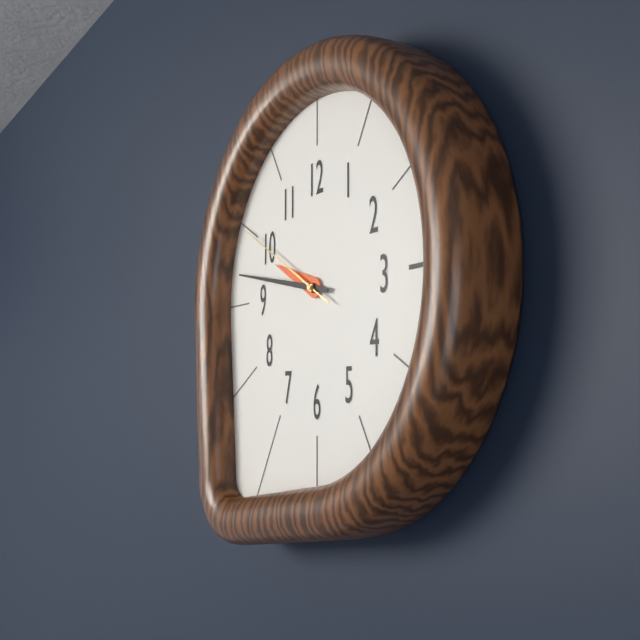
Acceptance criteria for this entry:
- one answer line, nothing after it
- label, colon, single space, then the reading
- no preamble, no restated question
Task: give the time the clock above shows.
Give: 9:47:50
